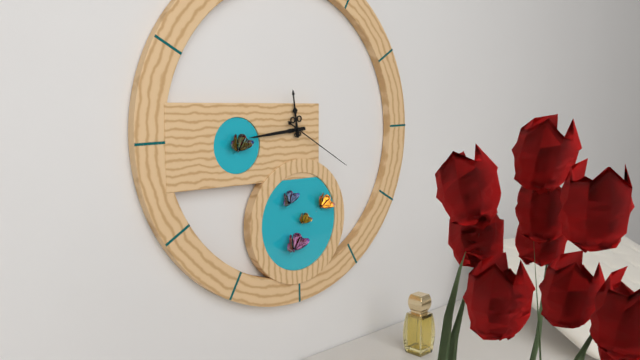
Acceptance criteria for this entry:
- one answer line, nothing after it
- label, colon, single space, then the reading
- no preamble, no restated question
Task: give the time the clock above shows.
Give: 11:44:20
